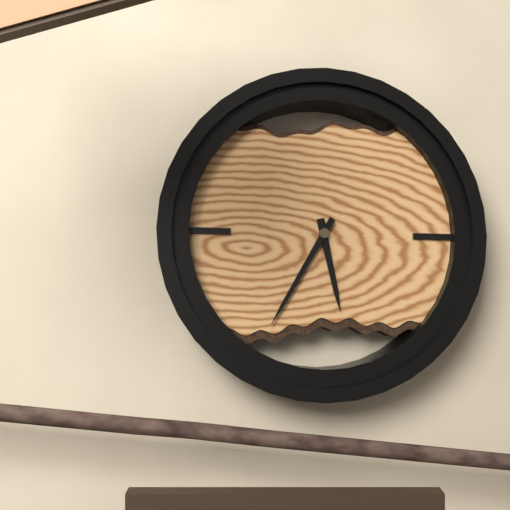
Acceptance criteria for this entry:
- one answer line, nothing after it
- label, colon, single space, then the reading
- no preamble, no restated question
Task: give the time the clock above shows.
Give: 5:35
